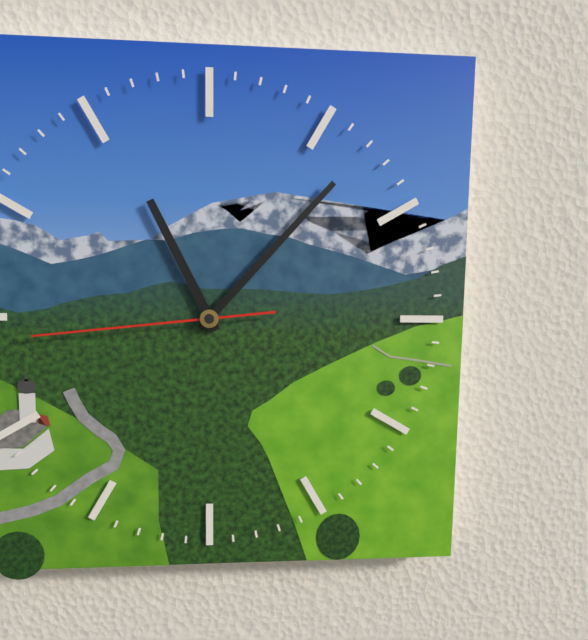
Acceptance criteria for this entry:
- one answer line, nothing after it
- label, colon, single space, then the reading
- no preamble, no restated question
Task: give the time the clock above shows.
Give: 11:07:44
